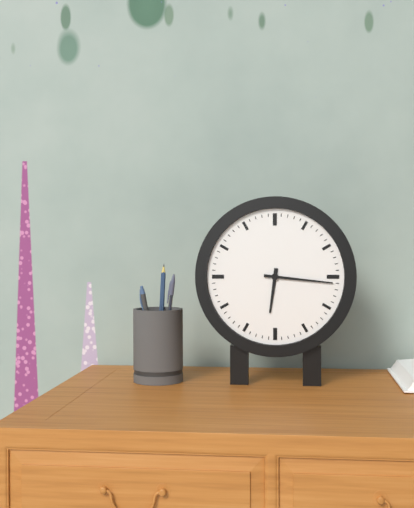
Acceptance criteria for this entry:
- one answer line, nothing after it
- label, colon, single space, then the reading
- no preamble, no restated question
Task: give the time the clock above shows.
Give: 6:16
